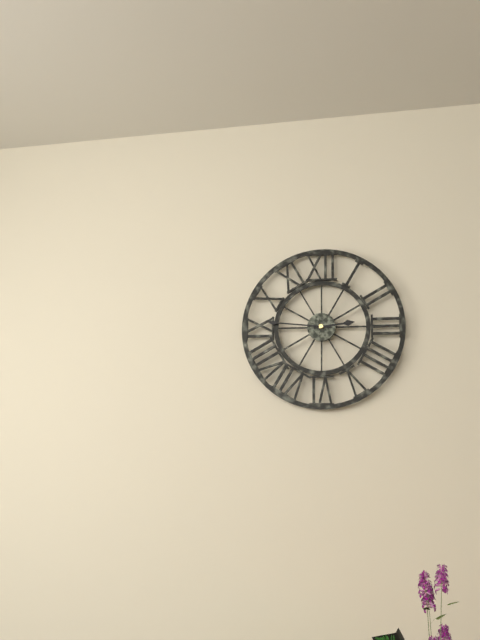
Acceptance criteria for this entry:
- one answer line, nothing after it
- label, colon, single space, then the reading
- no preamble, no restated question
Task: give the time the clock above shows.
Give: 2:46
